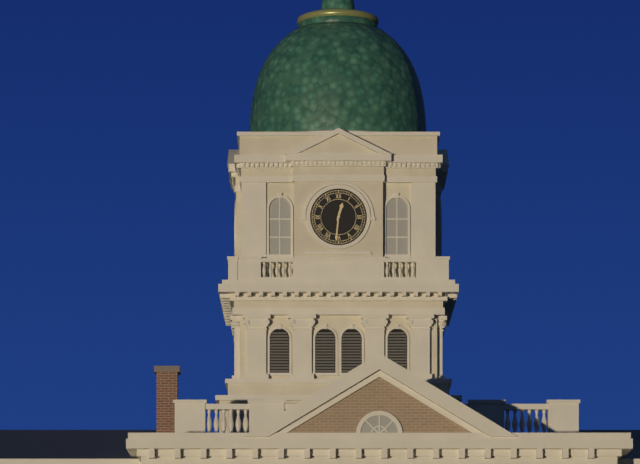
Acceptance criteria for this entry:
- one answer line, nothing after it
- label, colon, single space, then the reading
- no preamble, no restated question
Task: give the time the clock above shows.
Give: 12:31
